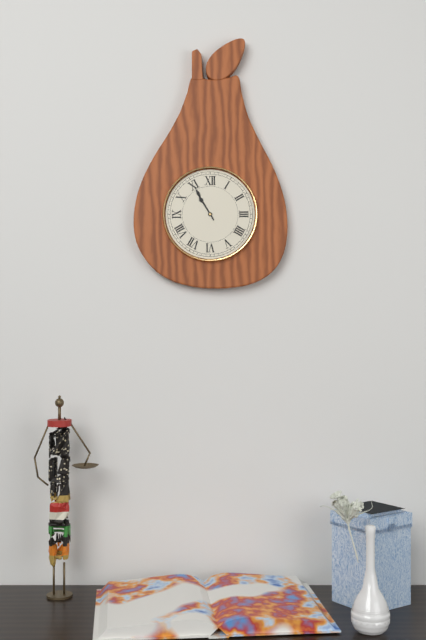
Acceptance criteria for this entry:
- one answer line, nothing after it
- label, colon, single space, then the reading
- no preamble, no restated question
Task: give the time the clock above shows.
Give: 10:55
